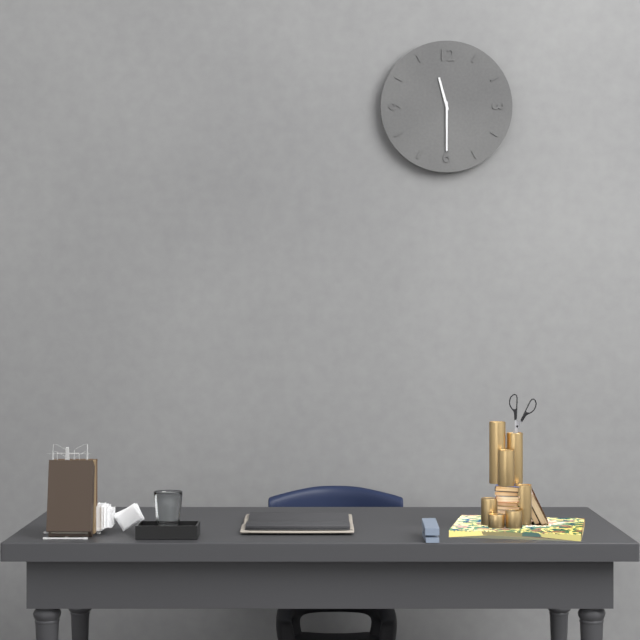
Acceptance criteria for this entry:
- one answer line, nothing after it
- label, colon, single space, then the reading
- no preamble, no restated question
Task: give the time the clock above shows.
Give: 11:30
